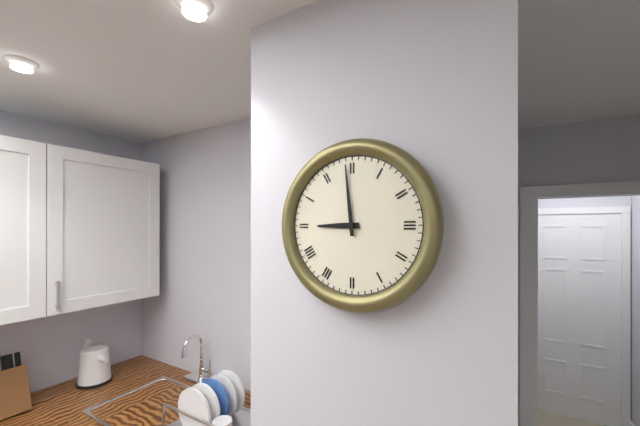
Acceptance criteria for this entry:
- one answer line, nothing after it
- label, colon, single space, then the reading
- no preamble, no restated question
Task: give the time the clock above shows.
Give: 8:59
